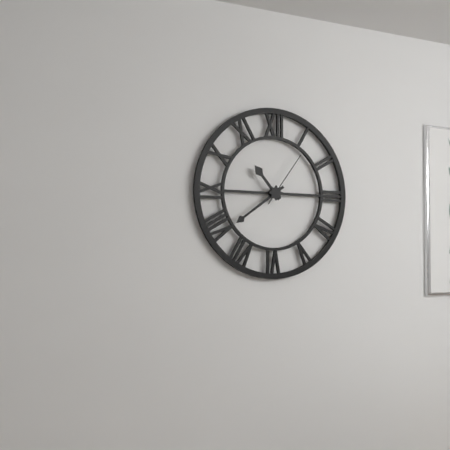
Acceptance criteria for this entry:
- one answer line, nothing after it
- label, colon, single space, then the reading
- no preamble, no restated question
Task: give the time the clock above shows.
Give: 10:39:06
